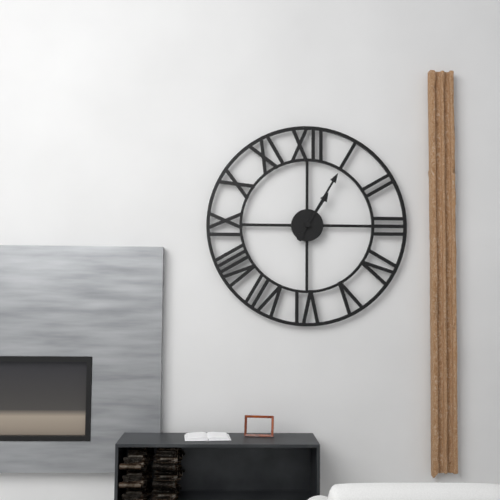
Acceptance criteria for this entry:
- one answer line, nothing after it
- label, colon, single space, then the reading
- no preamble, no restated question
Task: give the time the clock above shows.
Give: 1:05
